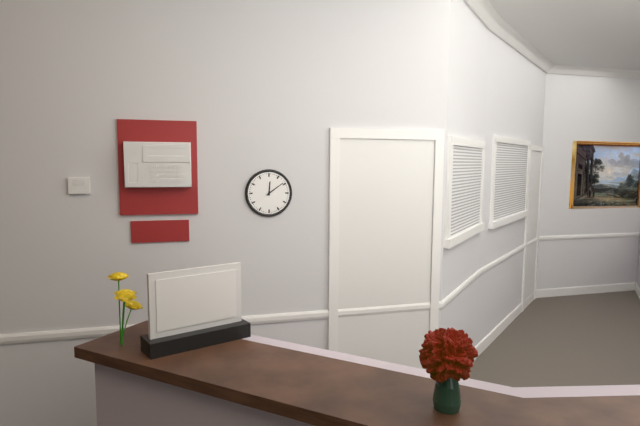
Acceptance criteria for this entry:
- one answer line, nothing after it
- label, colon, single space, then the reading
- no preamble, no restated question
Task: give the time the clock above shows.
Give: 12:09
